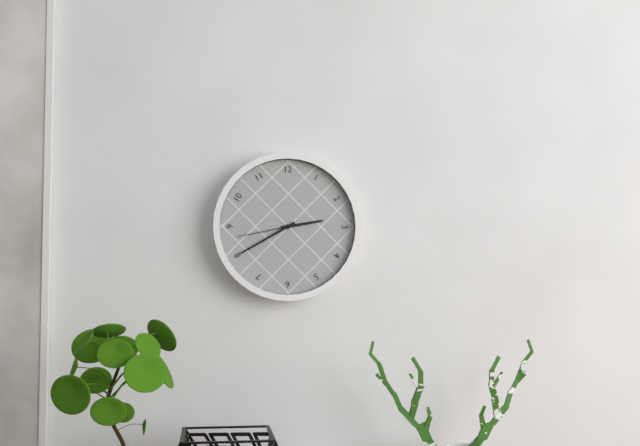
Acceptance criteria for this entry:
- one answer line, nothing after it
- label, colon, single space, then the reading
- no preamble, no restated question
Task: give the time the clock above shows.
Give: 2:40:43
